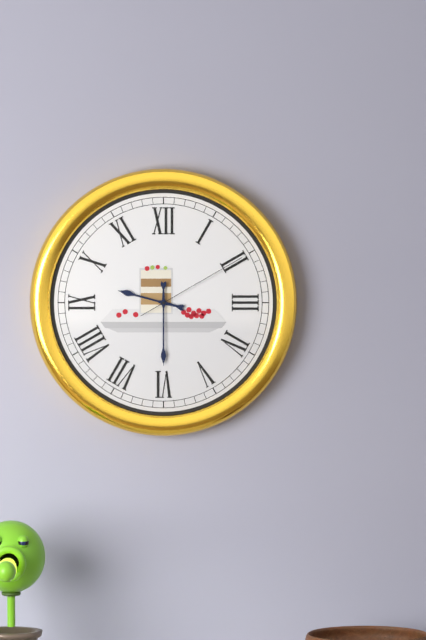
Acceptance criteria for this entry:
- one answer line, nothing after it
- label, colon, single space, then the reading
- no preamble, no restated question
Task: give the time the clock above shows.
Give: 9:30:10
